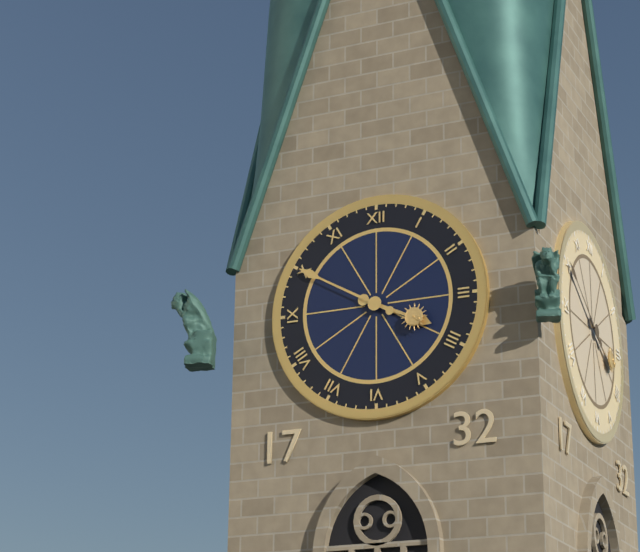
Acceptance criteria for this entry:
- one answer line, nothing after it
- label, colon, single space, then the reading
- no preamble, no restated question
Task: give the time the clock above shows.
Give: 3:50
